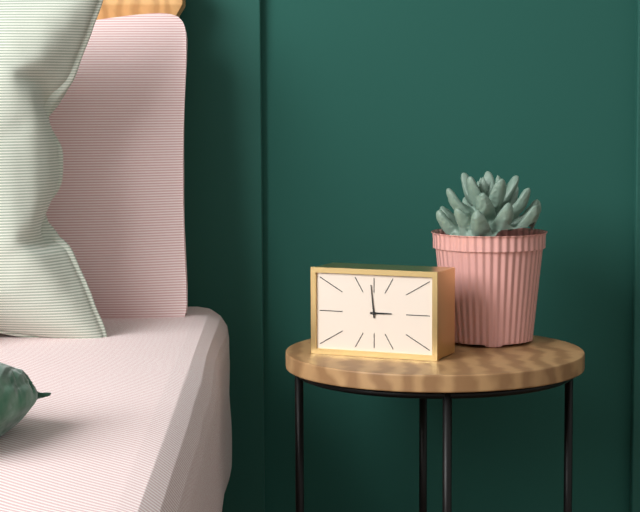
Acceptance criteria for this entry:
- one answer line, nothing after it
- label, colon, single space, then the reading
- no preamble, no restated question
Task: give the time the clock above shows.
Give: 2:59
